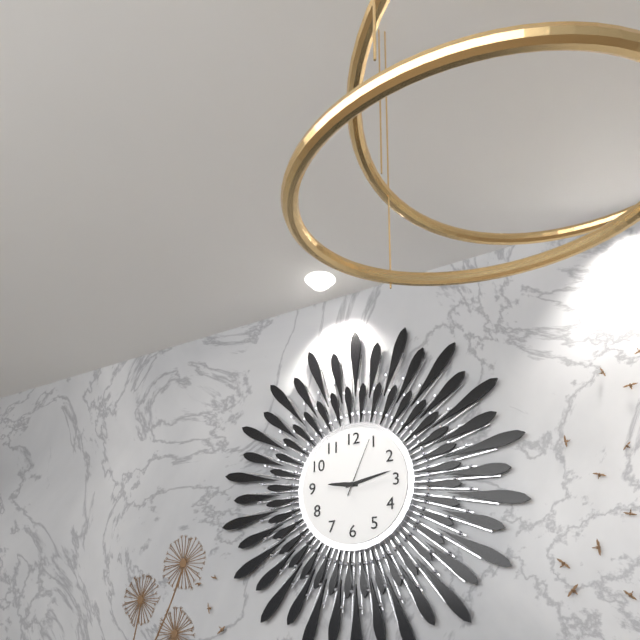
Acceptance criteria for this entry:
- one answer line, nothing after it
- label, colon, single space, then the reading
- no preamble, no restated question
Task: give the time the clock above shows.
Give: 9:13:04
